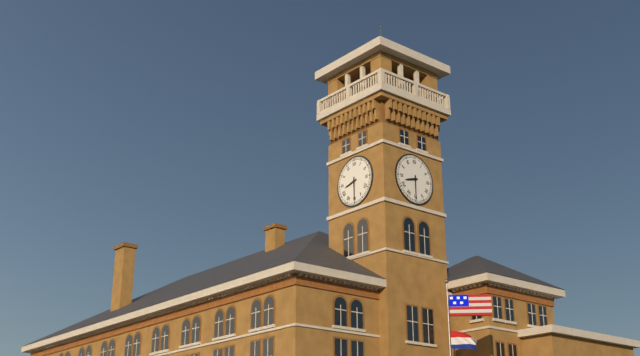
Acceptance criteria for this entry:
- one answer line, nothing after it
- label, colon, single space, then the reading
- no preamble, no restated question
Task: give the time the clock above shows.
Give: 8:30
